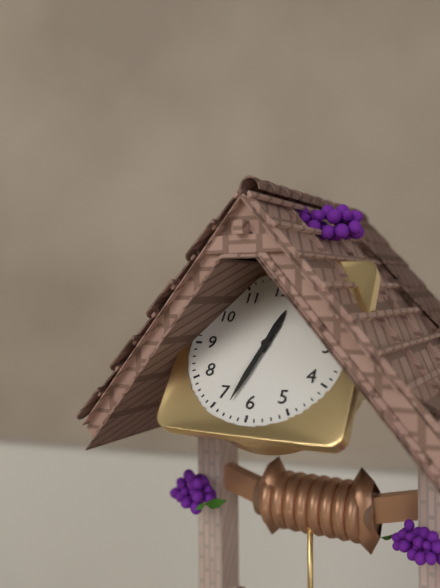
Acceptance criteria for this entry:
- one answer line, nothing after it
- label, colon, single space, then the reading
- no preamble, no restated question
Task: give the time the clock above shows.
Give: 12:33
